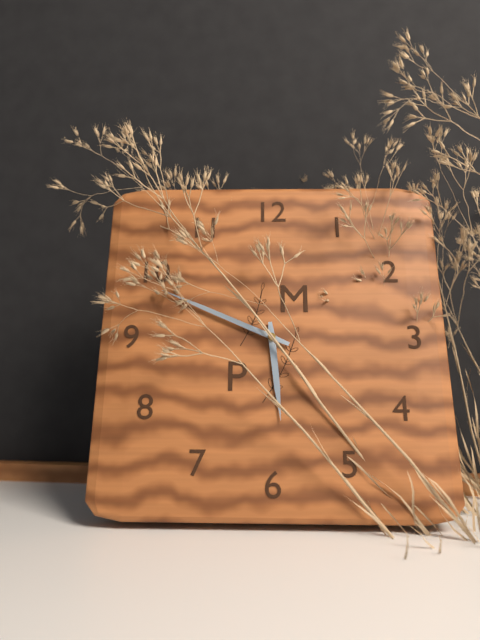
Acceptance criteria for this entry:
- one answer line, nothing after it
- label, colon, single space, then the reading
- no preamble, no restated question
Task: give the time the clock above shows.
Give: 5:49
